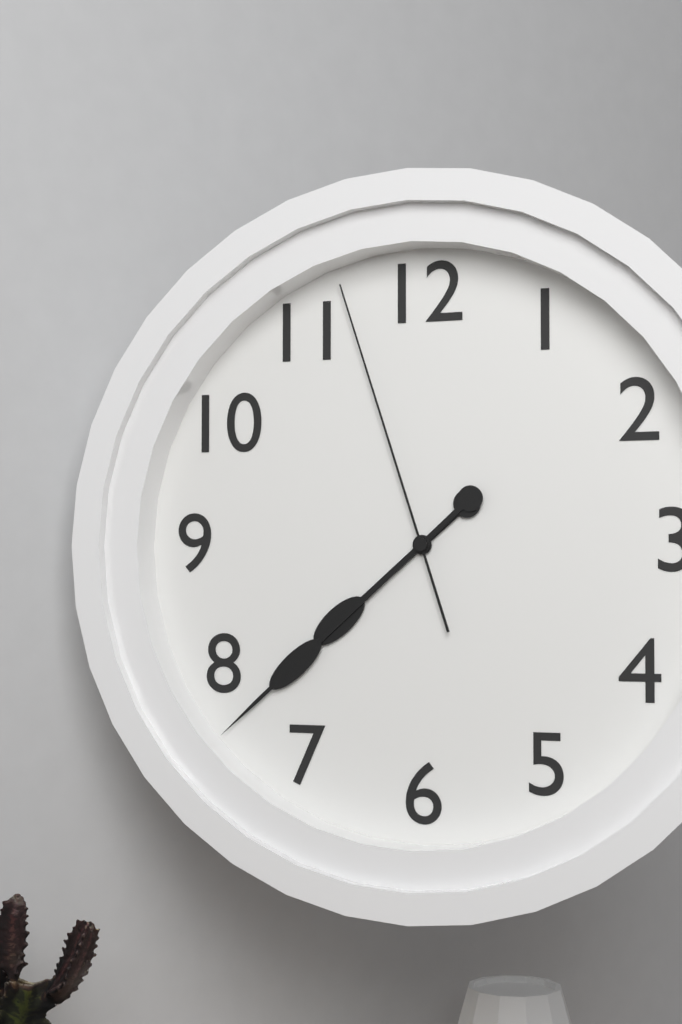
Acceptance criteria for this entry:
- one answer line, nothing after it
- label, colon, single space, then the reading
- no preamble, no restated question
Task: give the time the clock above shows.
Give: 7:38:57
